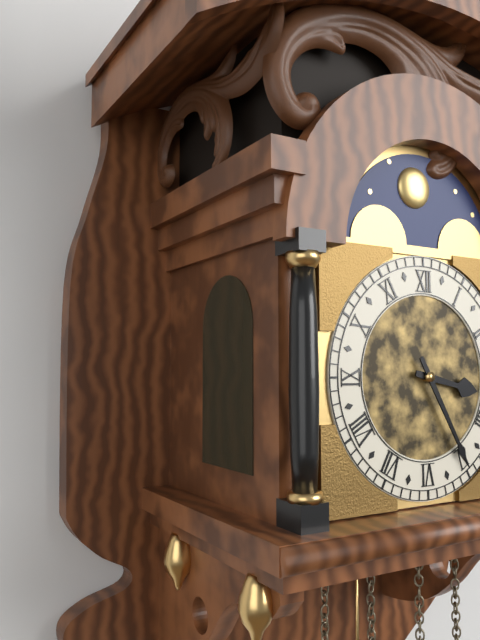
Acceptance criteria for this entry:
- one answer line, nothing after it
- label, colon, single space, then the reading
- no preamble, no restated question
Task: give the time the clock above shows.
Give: 3:25
